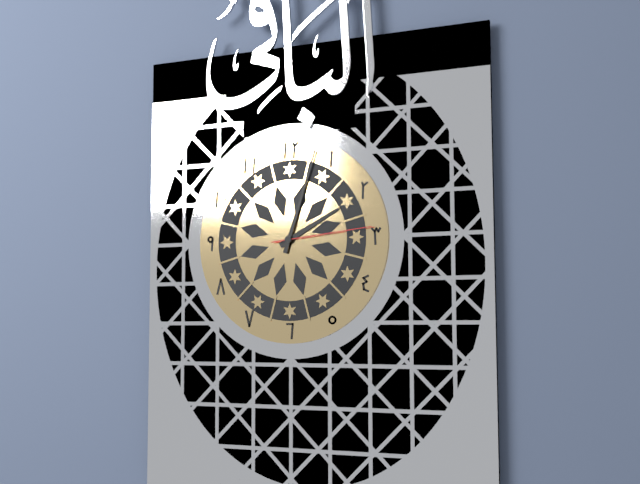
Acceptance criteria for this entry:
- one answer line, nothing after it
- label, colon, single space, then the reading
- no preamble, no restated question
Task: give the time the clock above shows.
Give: 2:03:14
